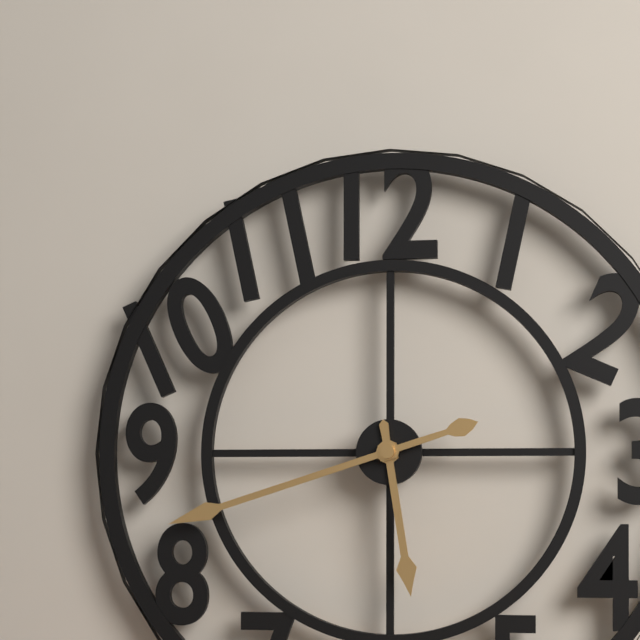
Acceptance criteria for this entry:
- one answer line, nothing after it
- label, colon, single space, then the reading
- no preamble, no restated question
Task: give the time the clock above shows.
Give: 5:42
